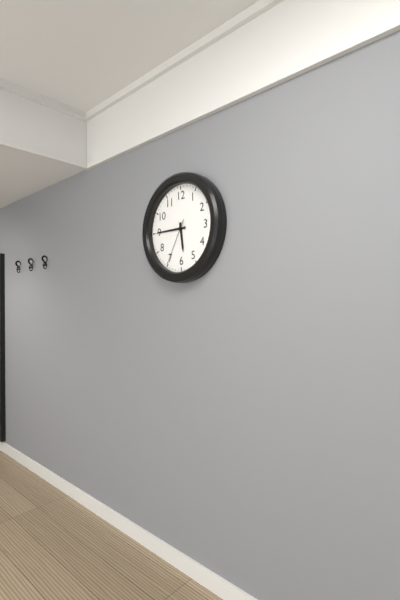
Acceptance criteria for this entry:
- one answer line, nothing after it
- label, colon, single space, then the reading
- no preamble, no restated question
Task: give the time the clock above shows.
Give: 5:45
